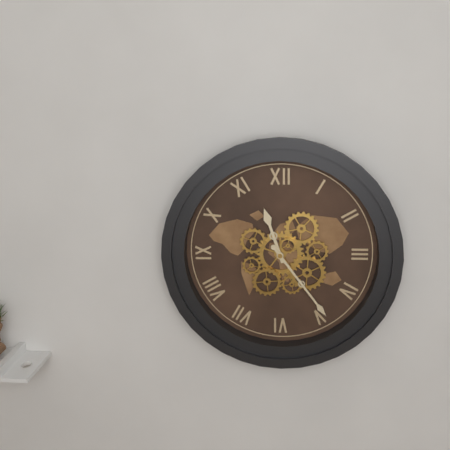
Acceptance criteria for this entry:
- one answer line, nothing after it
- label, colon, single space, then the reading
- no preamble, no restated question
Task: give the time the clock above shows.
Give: 11:24
